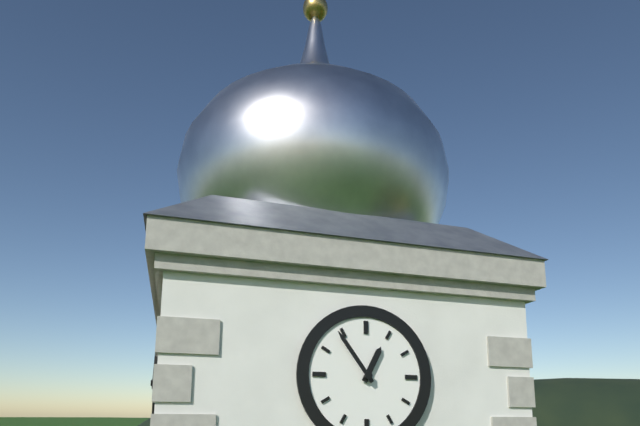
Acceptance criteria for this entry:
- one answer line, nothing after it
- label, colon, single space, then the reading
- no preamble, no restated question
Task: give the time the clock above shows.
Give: 12:54
